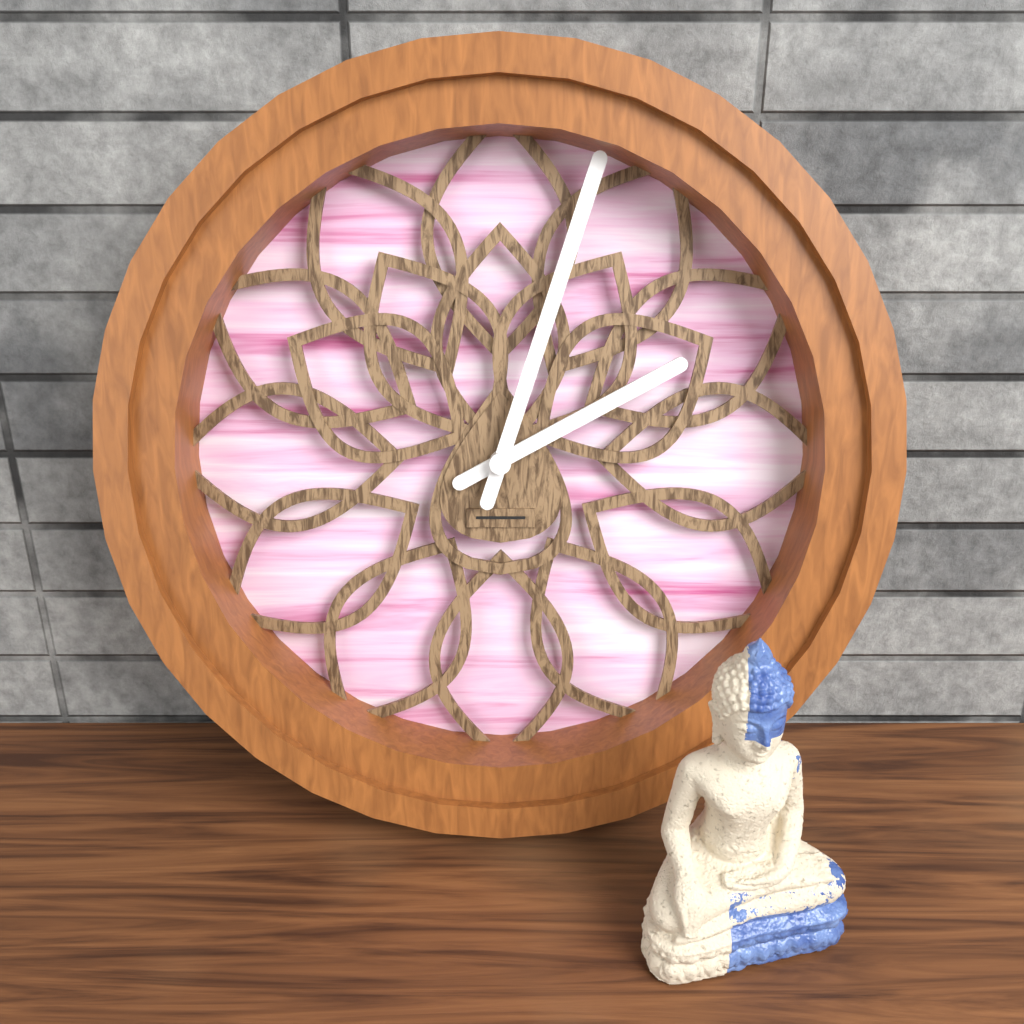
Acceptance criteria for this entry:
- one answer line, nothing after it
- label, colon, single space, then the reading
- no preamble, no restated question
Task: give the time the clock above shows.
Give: 2:03
